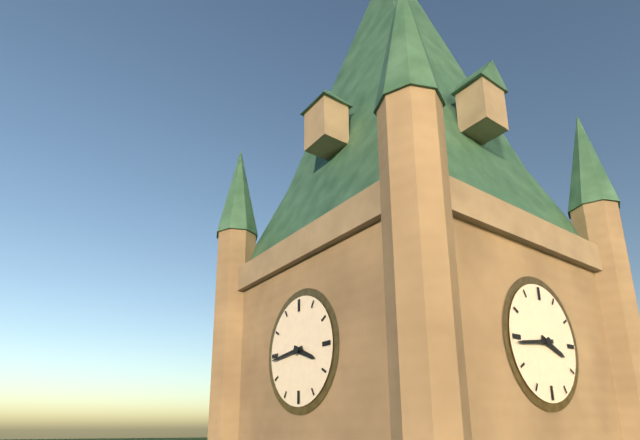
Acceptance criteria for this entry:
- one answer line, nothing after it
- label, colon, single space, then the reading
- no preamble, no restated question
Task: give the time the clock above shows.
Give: 3:44
